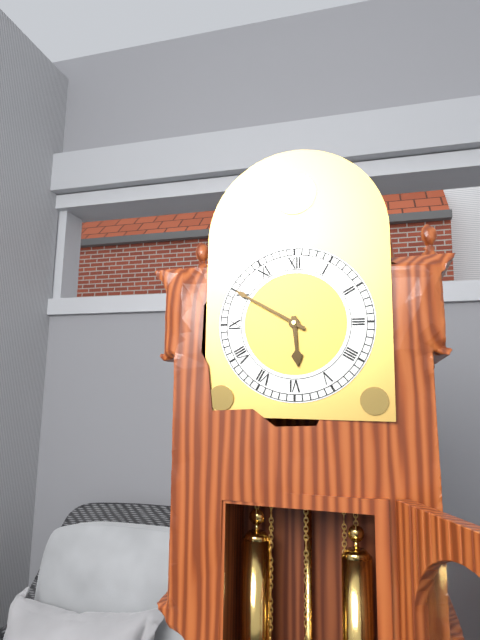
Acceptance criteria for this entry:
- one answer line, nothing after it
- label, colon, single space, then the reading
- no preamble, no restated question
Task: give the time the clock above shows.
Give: 5:50
